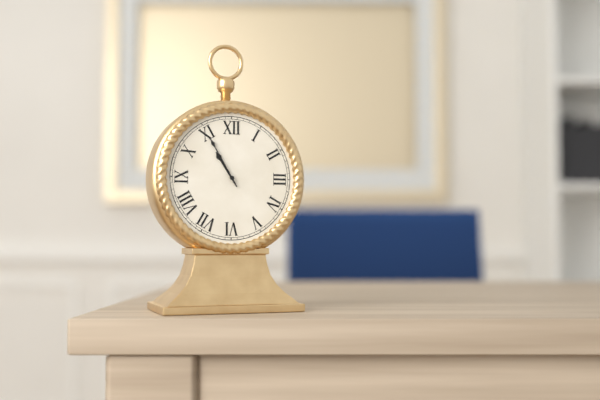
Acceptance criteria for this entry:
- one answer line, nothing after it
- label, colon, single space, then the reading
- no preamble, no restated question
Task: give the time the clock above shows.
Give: 10:55
